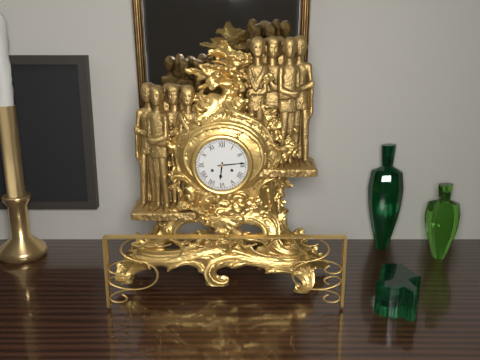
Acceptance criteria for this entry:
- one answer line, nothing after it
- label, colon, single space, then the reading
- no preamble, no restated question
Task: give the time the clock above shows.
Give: 6:14
